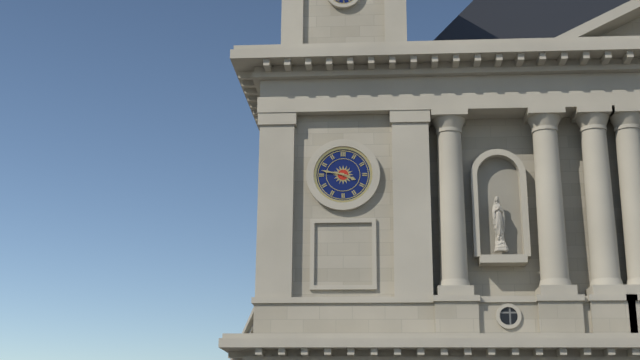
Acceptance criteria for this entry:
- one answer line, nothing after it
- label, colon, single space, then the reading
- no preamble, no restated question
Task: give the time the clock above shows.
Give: 3:47
